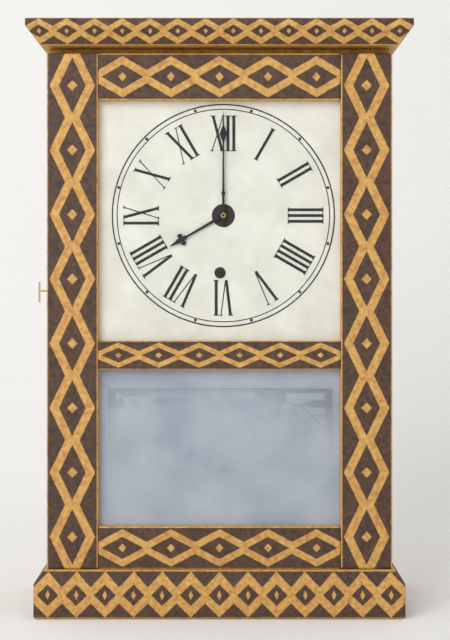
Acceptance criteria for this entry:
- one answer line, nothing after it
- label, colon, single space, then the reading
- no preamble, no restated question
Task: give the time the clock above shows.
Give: 8:00
